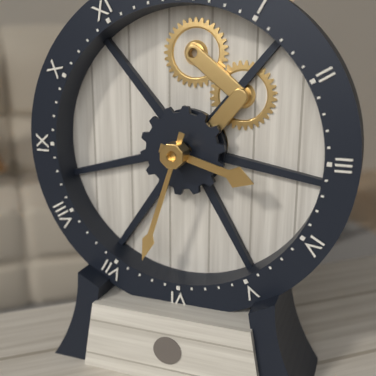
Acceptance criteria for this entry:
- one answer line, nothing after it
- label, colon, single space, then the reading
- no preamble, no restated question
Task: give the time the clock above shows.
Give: 3:33
